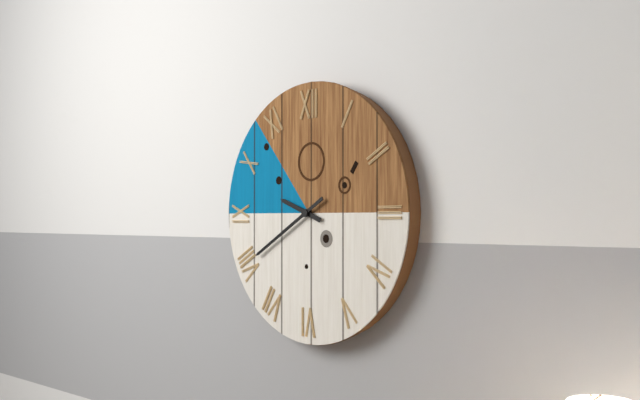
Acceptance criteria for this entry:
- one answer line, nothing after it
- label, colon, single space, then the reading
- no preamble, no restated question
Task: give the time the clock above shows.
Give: 9:40
